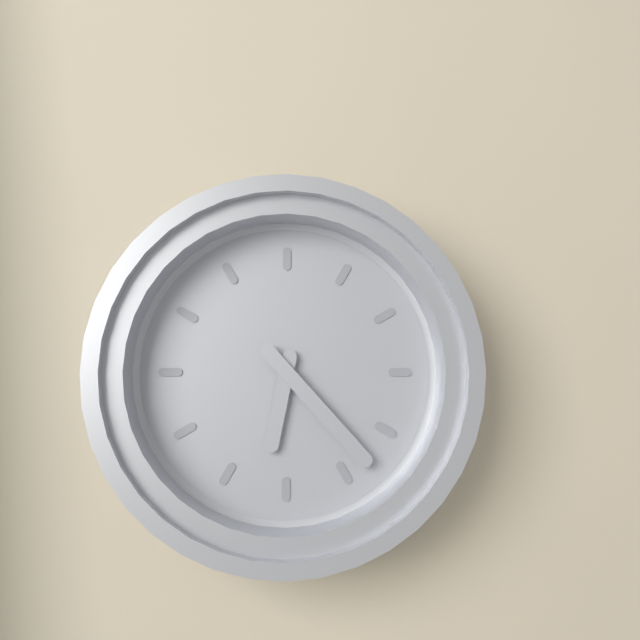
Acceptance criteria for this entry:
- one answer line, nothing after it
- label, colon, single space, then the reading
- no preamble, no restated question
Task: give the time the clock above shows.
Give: 6:23
